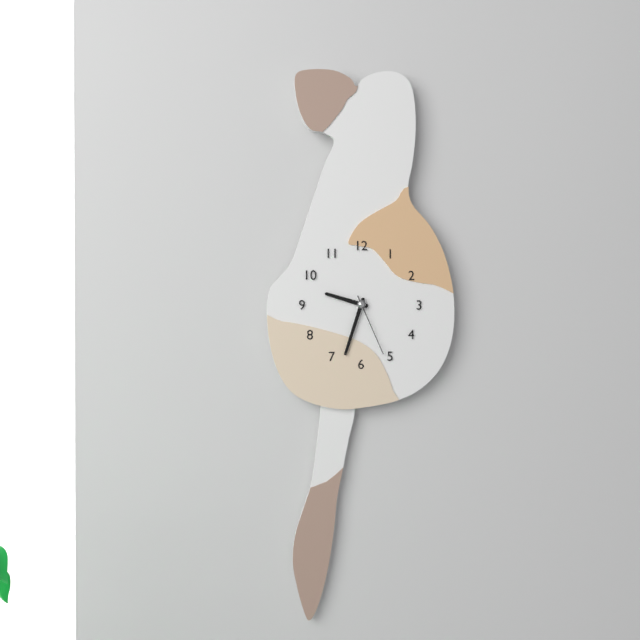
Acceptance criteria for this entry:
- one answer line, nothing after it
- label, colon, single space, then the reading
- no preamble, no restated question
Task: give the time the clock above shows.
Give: 9:33:26
